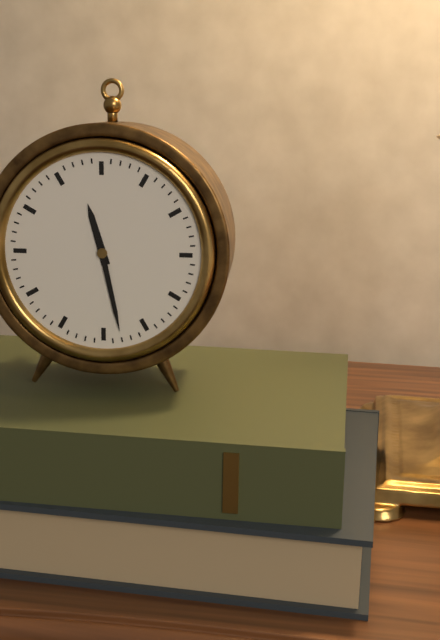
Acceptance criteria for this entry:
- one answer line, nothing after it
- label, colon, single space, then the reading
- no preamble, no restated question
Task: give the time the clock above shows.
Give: 11:28
